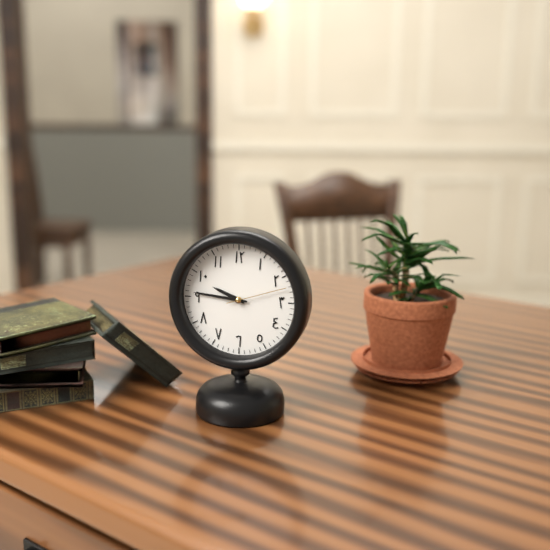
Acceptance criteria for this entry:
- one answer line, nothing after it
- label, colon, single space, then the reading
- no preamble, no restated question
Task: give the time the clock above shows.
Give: 9:46:12
